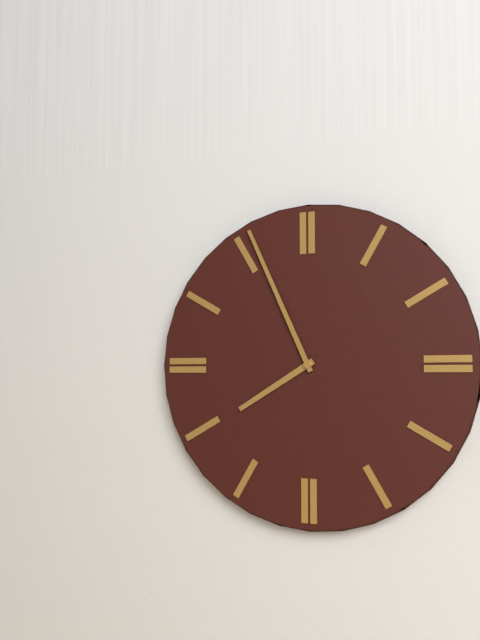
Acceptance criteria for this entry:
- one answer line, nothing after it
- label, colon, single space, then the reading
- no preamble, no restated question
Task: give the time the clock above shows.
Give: 7:56
